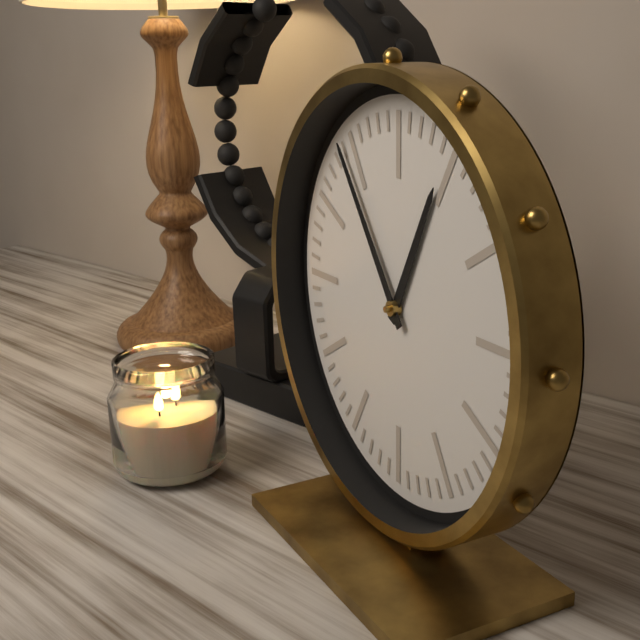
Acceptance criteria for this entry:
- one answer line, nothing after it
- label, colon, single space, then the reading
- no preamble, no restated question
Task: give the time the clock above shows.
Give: 12:54
